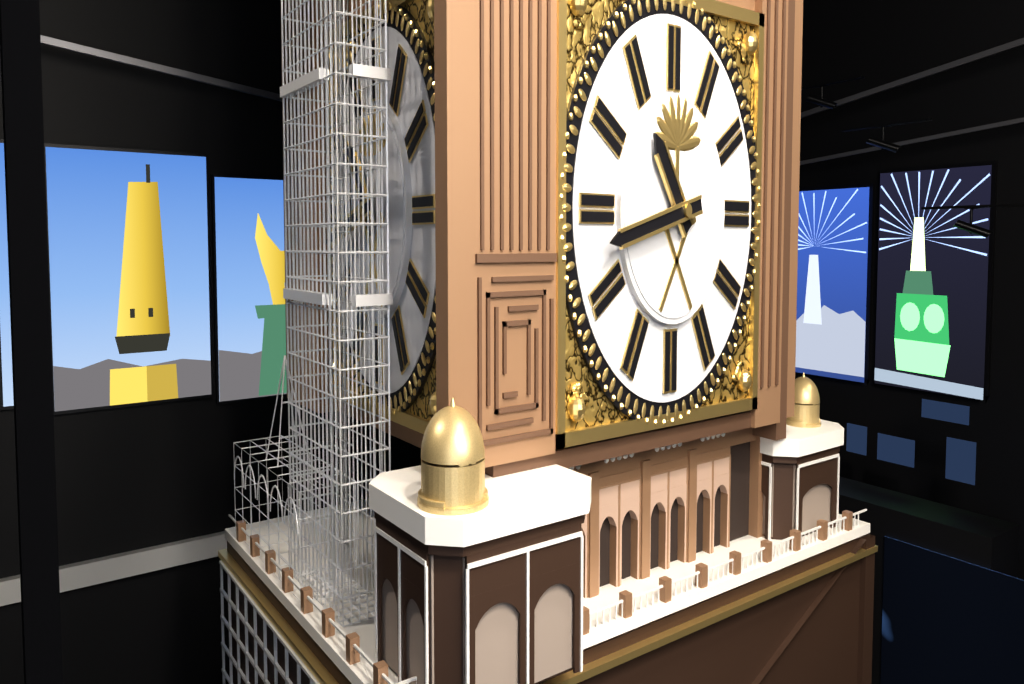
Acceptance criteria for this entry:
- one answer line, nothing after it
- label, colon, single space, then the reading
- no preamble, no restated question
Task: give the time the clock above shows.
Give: 10:43
